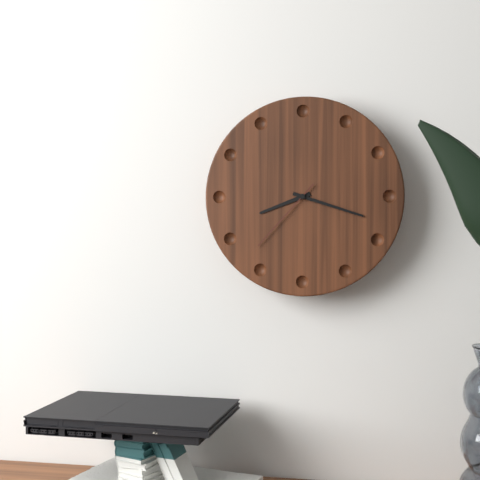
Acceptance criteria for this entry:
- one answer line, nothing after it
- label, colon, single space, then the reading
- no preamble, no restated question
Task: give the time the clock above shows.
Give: 8:18:37
